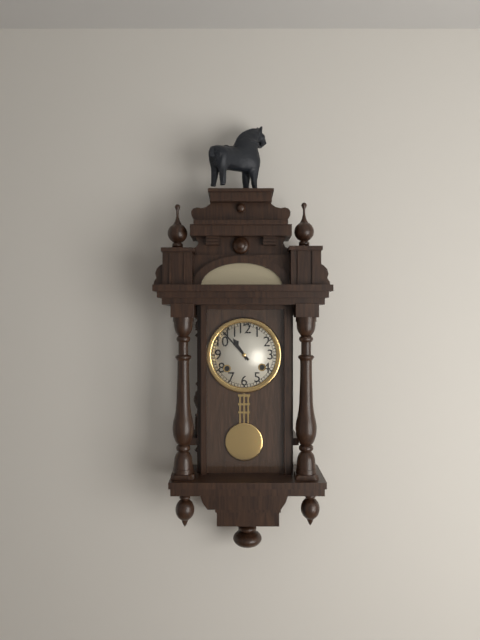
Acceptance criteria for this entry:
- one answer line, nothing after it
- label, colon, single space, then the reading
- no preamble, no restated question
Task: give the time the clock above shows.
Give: 10:53
